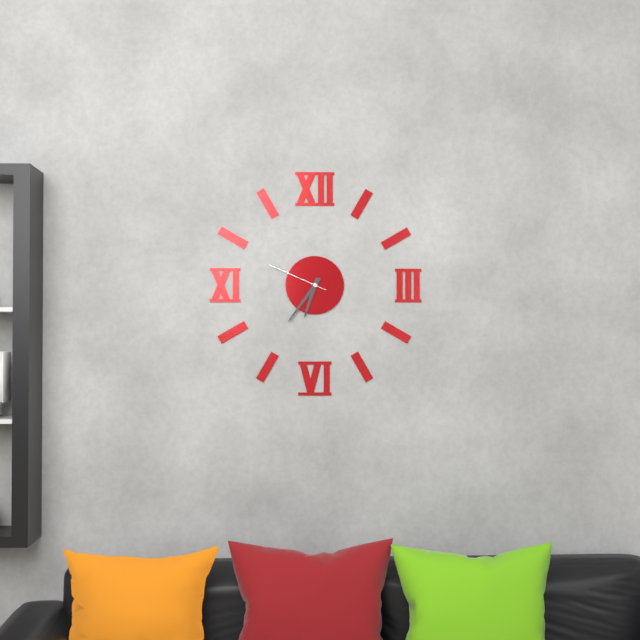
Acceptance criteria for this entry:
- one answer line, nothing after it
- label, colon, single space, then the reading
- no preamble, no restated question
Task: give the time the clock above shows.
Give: 6:36:49
